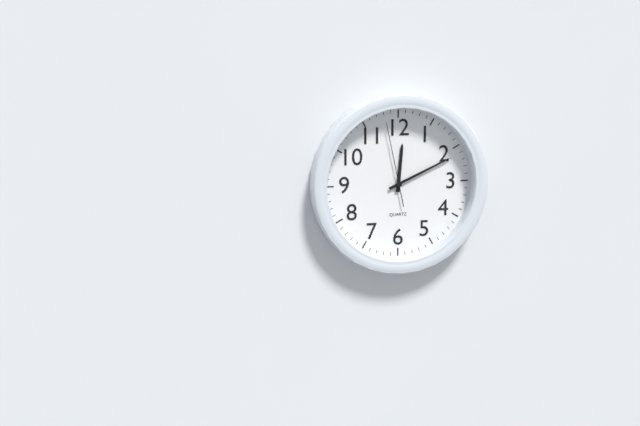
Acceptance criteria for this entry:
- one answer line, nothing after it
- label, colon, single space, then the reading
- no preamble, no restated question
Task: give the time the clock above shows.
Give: 12:11:58
